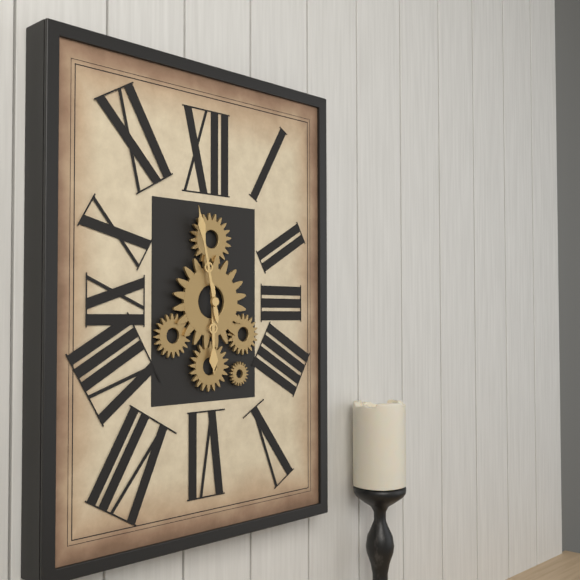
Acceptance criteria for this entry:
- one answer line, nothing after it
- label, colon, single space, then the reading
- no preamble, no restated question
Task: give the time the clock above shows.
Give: 5:58
